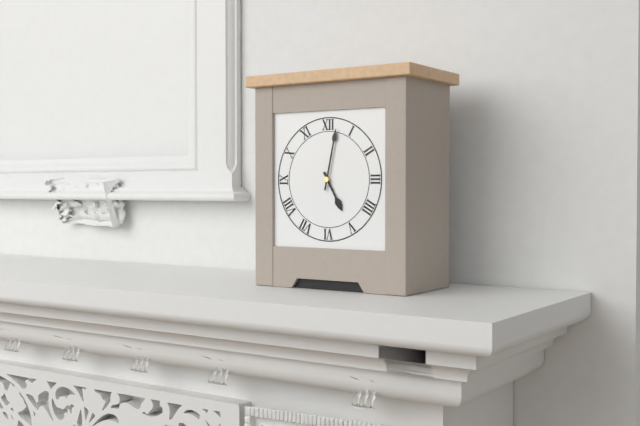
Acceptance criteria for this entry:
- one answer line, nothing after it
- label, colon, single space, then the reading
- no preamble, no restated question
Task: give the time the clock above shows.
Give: 5:02
